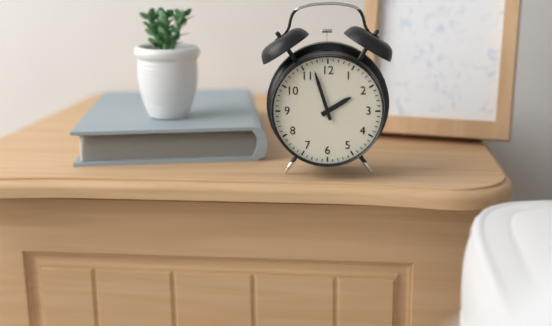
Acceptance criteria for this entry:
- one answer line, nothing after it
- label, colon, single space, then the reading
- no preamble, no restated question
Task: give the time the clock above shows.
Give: 1:57
